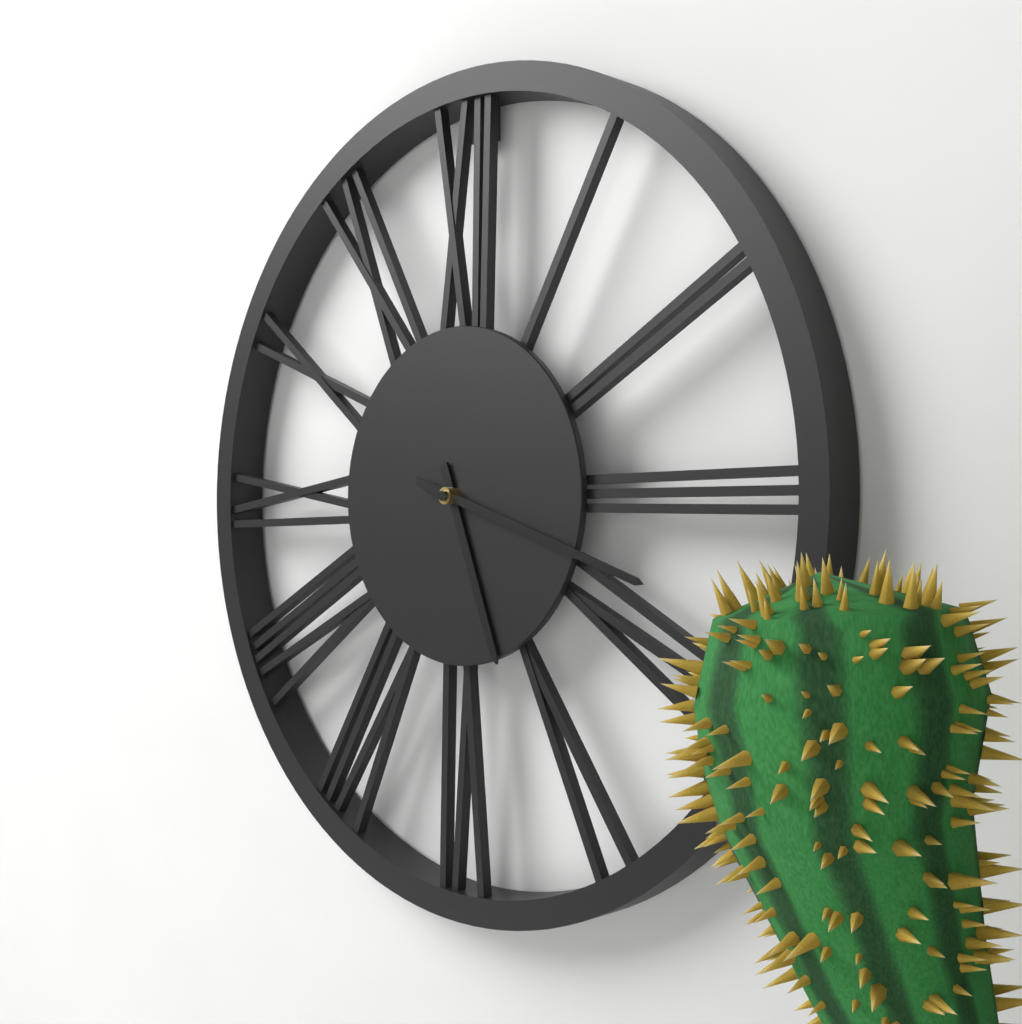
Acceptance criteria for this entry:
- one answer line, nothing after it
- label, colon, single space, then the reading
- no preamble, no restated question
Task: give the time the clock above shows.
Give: 5:18
